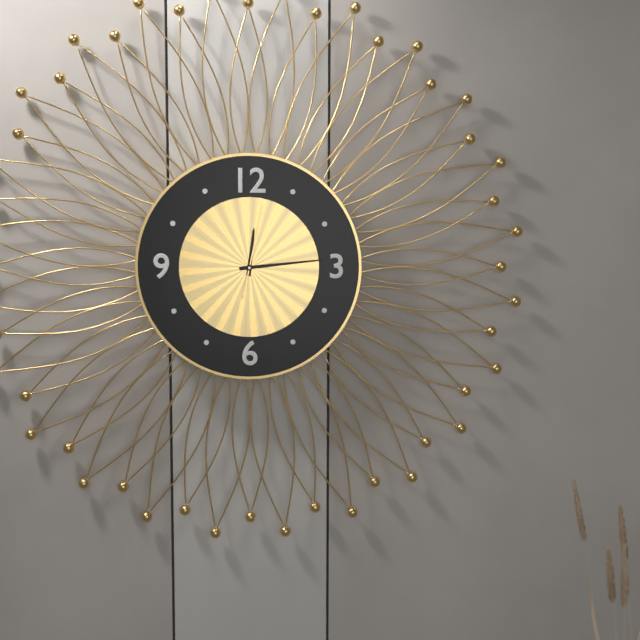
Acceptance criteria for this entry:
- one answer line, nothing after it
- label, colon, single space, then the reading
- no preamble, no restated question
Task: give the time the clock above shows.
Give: 12:14:02
